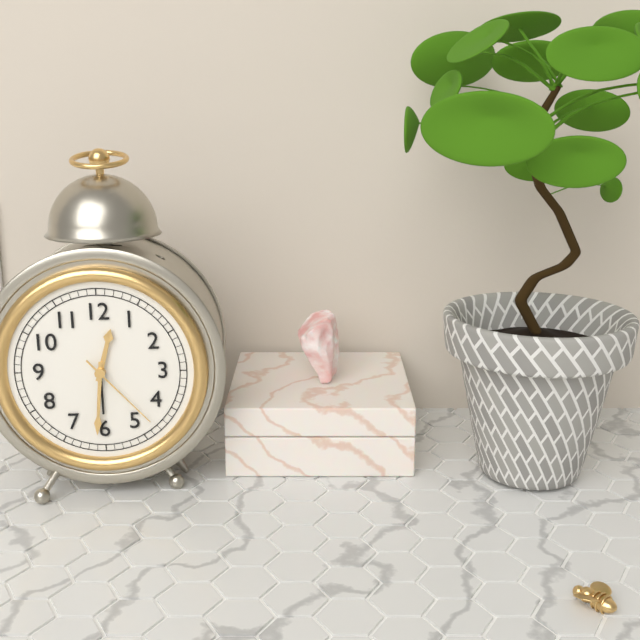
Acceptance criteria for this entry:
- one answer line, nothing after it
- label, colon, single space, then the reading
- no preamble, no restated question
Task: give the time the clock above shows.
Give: 12:31:23
